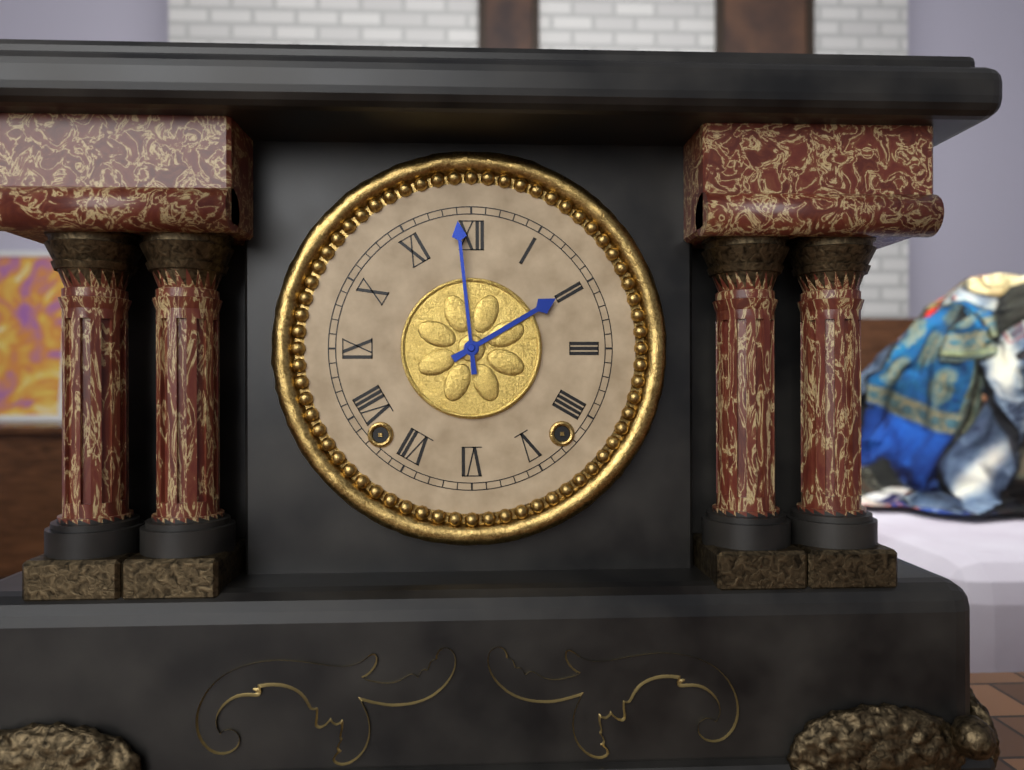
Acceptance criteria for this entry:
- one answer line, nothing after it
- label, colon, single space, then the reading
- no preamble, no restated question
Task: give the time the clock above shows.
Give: 1:59
